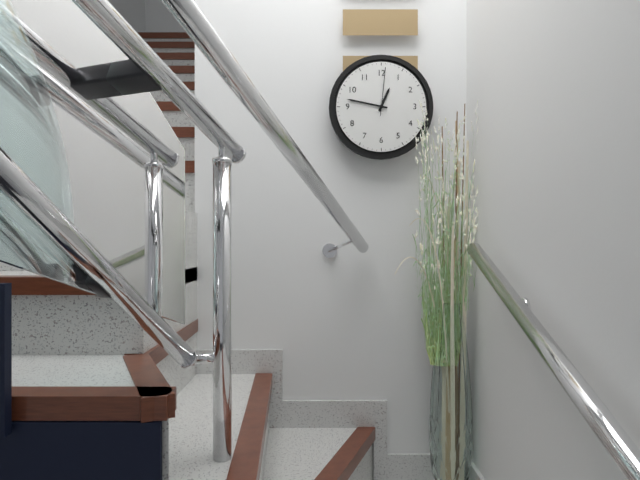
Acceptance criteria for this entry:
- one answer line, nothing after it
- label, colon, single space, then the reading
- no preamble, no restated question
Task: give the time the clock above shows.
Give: 12:47
